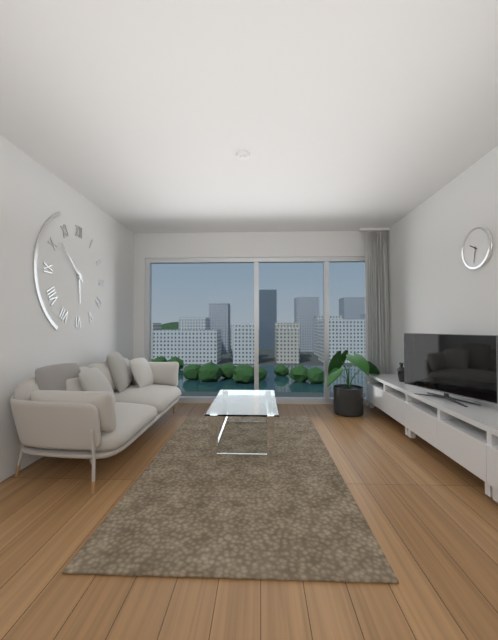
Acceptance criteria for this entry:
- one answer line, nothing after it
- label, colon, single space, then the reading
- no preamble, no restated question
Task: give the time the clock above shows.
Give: 5:52
